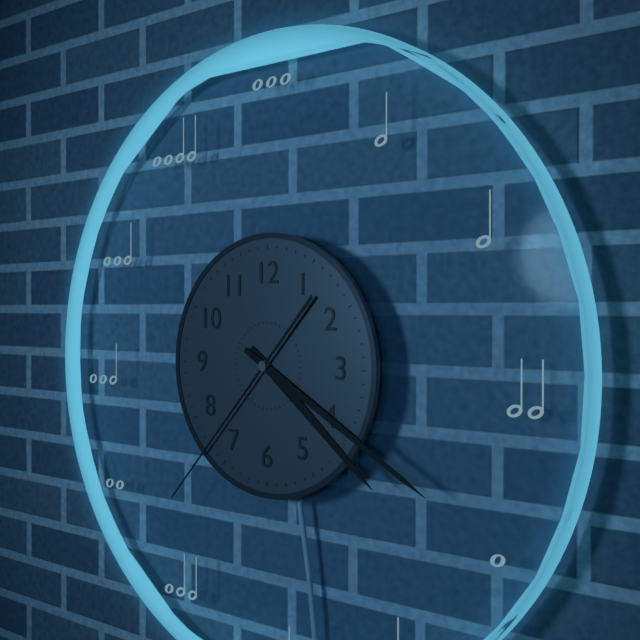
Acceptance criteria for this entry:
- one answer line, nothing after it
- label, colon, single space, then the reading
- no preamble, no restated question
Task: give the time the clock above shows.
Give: 4:20:37
